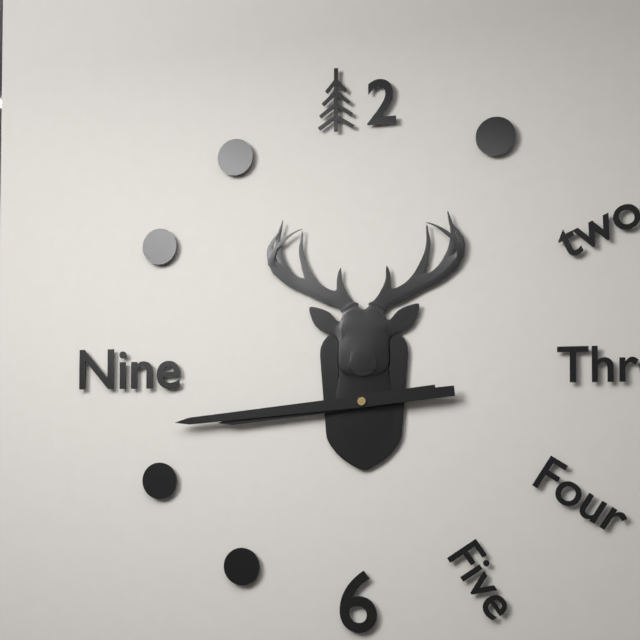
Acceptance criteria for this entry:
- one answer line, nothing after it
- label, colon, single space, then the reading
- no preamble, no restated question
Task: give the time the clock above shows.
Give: 8:44
